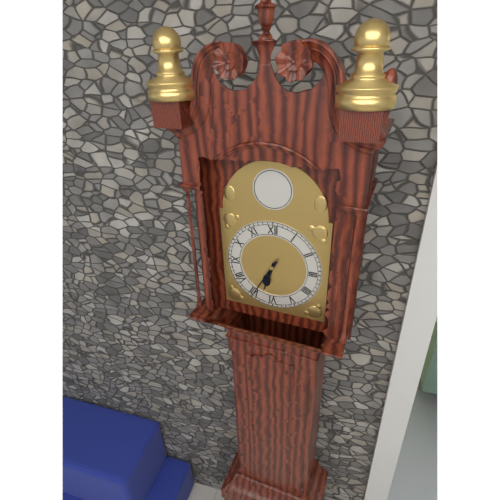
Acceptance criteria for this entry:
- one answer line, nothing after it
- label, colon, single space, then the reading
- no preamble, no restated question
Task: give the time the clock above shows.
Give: 6:35
